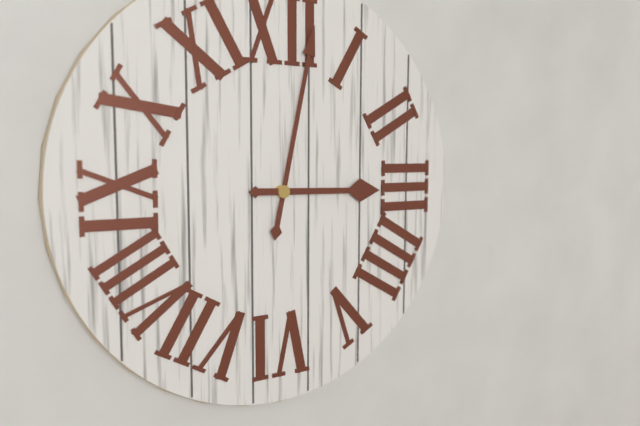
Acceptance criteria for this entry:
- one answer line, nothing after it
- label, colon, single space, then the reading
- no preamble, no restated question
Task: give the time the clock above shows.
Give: 3:02
